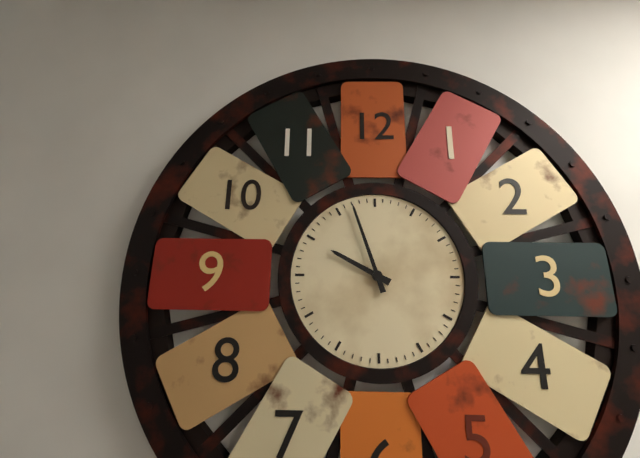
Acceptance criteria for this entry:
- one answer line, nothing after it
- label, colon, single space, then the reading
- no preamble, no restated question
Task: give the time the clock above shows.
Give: 9:57
